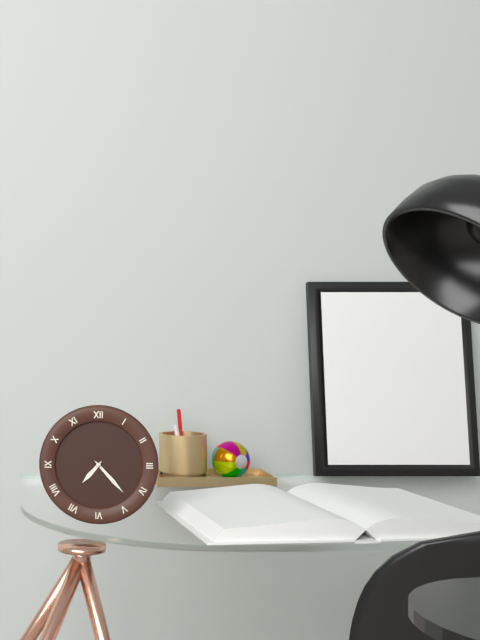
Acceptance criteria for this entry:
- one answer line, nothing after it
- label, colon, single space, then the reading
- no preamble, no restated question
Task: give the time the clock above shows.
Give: 7:23
